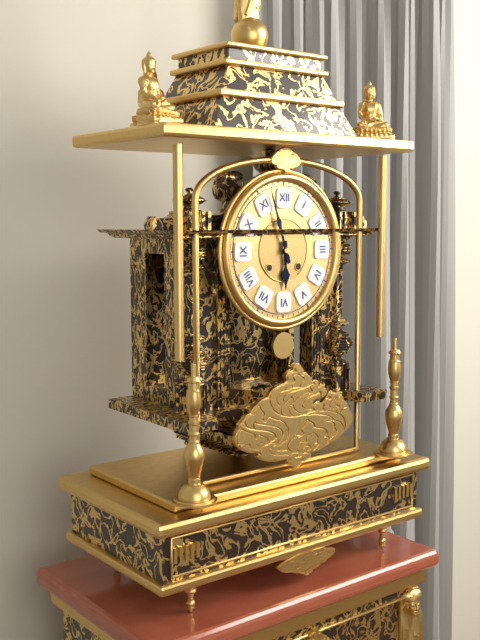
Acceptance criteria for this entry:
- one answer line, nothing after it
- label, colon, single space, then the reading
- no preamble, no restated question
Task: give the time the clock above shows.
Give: 5:57
